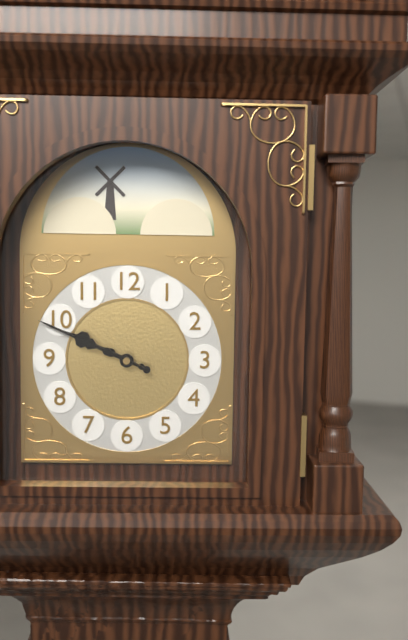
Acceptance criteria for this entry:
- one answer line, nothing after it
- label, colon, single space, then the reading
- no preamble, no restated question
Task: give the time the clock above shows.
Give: 9:49
